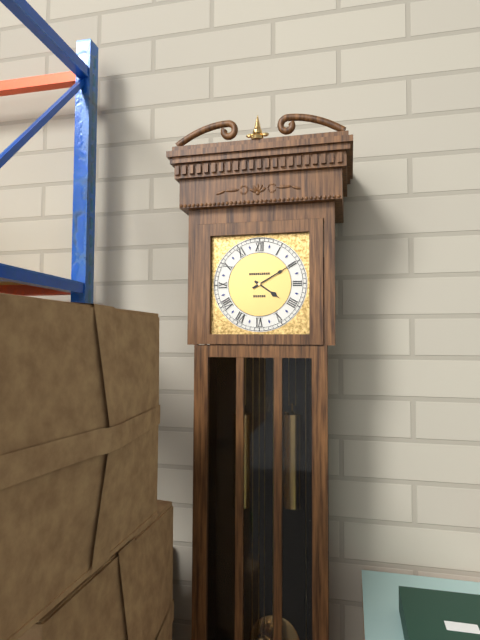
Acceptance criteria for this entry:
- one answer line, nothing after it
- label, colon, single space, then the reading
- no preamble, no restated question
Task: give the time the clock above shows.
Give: 4:10
